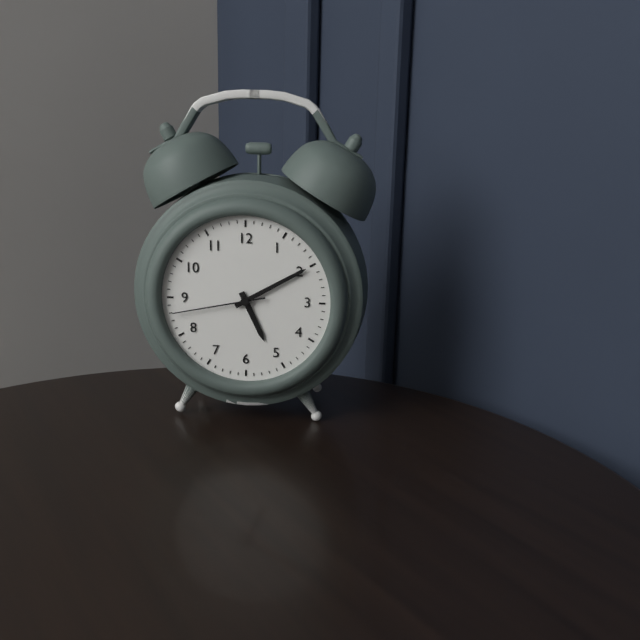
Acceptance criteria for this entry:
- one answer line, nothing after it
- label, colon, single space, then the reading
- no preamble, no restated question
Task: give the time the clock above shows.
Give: 5:10:43
